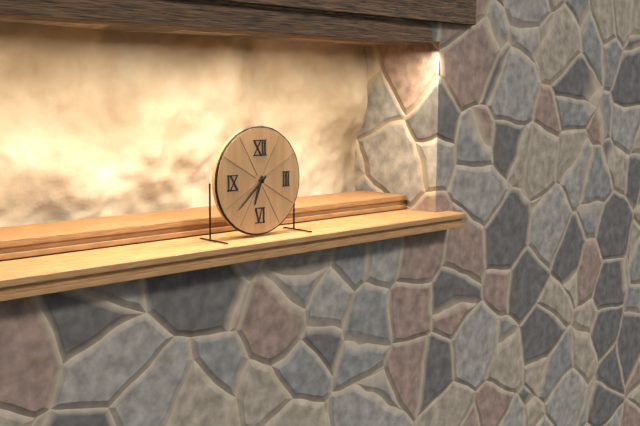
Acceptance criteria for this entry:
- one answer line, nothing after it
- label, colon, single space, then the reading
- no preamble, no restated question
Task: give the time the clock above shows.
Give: 6:38
